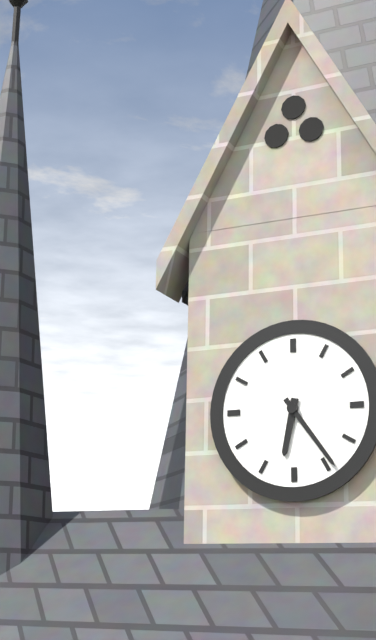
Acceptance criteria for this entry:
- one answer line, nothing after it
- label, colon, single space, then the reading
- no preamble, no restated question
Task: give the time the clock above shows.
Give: 6:24
